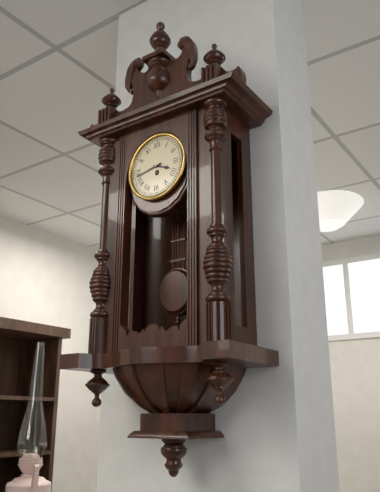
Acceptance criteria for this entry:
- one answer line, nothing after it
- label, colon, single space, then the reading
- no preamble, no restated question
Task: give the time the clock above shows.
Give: 3:43
